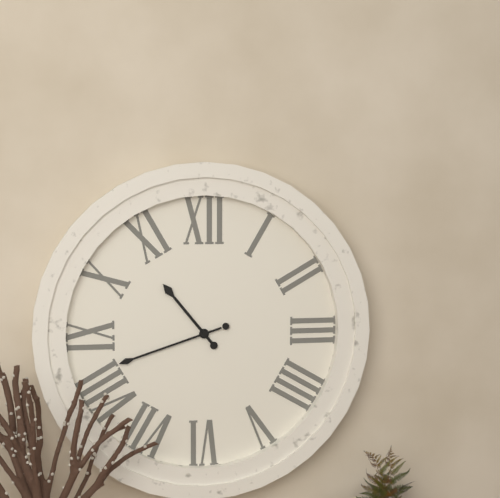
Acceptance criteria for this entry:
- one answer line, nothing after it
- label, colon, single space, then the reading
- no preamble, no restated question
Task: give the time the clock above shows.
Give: 10:42
